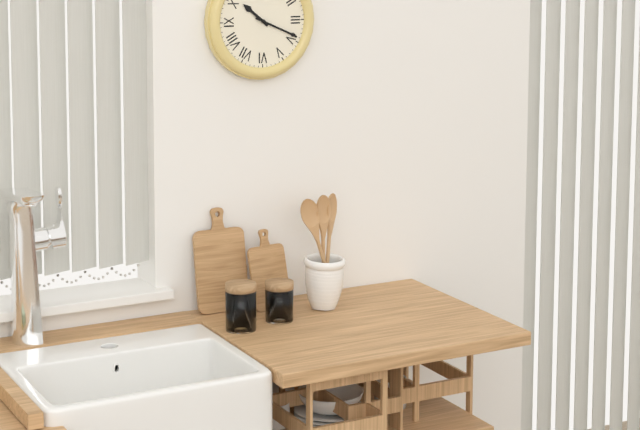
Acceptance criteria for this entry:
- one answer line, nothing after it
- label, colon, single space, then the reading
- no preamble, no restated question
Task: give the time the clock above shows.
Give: 10:19
